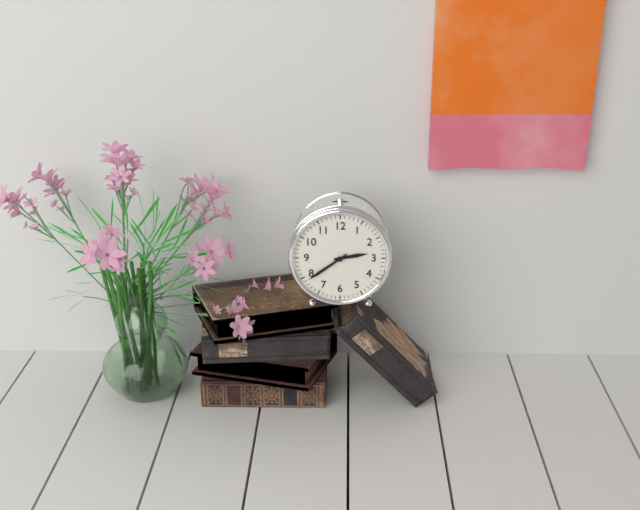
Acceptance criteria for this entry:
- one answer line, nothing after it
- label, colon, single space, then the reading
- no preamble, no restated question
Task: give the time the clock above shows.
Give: 2:39
